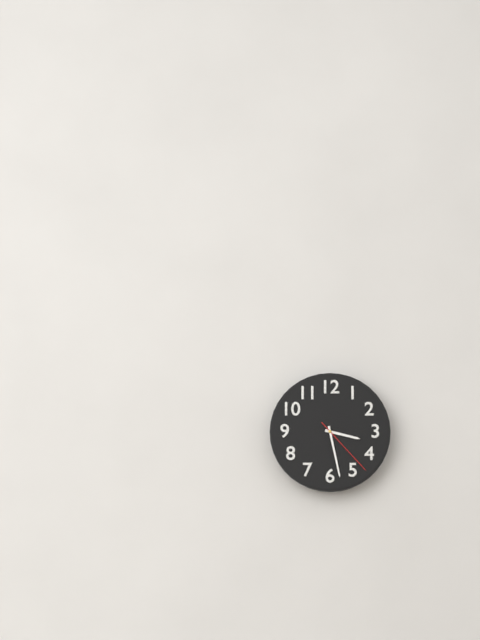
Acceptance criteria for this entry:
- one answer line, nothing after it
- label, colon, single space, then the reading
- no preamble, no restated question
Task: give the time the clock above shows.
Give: 3:28:23
